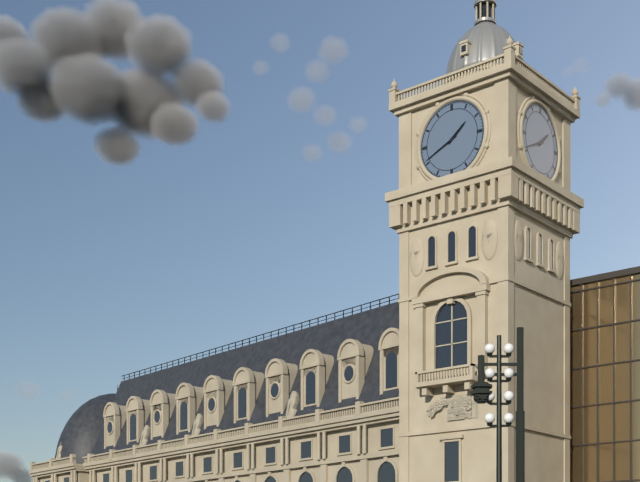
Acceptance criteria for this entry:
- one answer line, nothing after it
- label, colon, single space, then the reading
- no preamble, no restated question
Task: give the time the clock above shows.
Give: 1:41
